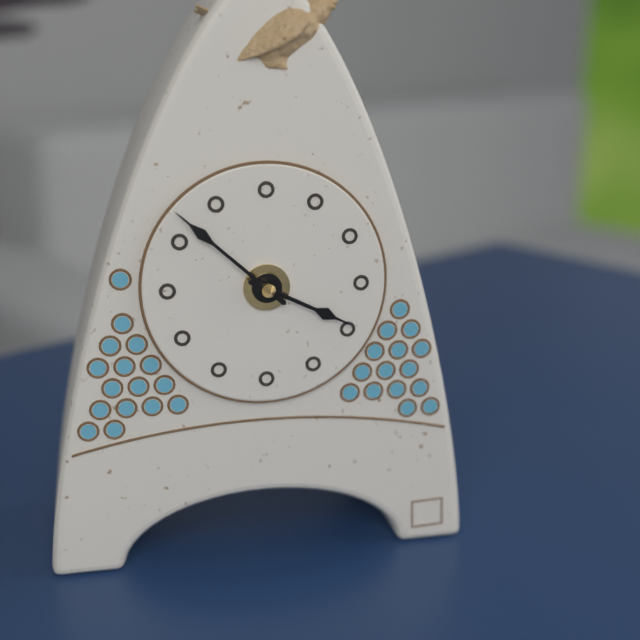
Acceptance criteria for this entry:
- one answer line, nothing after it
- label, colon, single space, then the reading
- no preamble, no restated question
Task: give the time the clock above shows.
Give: 3:52
